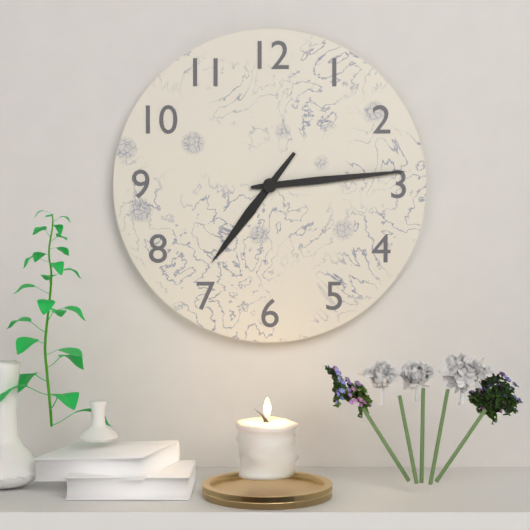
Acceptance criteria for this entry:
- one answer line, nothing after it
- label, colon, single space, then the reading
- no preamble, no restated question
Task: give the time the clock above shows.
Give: 7:14
